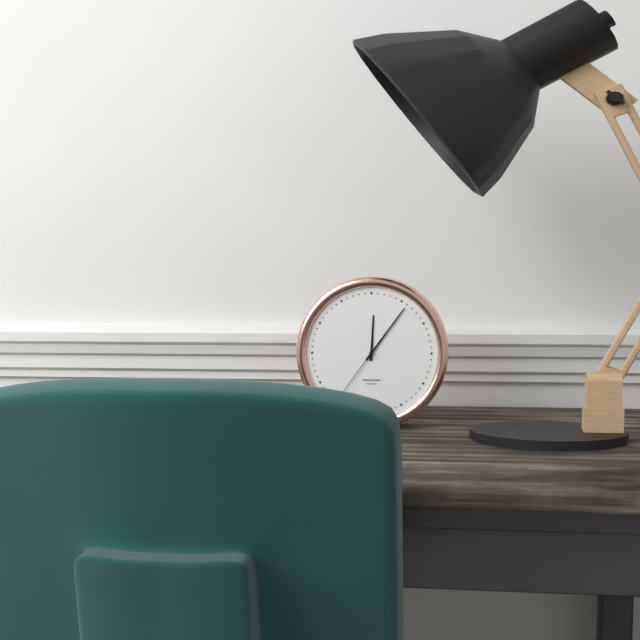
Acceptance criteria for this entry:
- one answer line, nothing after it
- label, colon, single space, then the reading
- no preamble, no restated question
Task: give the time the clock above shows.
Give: 12:06:36
